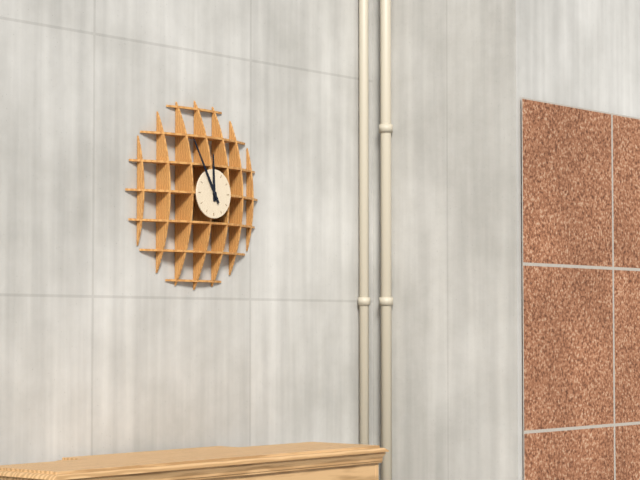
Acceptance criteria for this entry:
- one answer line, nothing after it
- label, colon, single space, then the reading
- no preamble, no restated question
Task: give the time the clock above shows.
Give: 11:55
